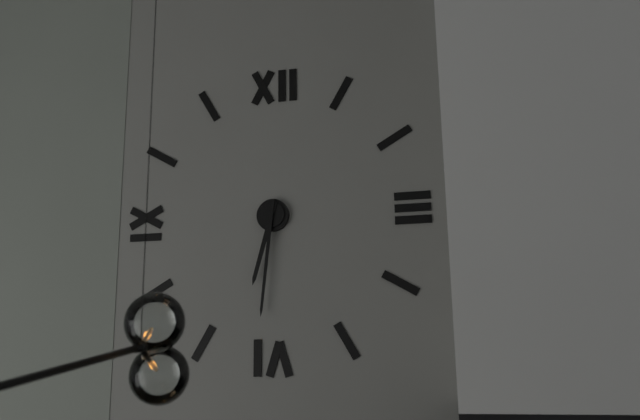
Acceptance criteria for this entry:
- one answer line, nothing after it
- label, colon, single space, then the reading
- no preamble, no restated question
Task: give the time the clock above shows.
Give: 6:31
